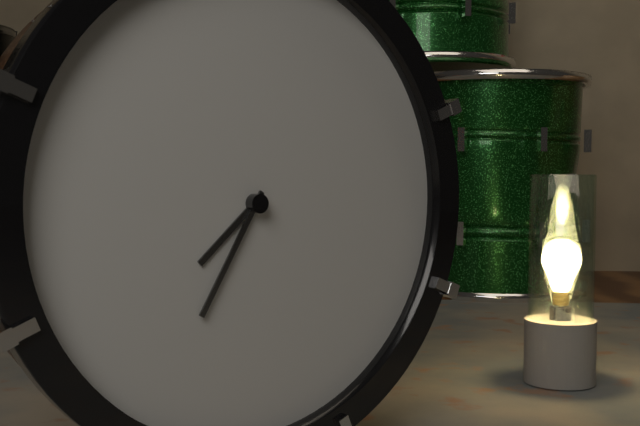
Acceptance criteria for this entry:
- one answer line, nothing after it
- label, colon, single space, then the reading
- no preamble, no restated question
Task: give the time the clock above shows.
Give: 7:35
